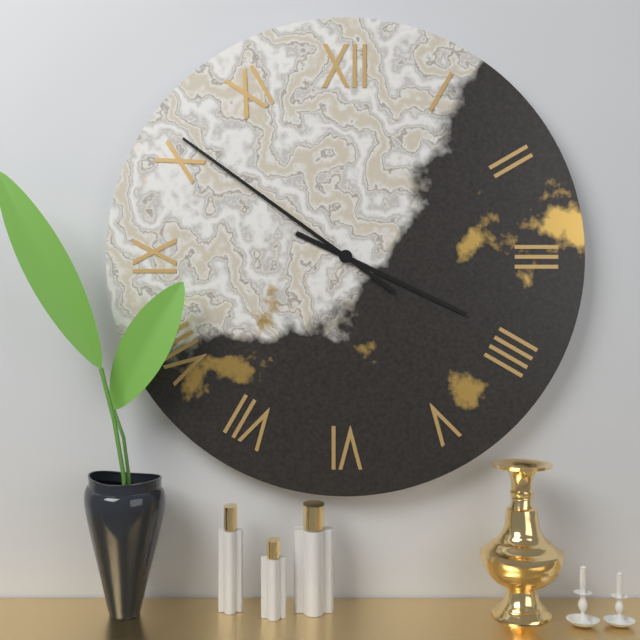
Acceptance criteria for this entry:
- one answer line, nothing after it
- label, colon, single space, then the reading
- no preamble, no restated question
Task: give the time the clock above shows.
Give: 3:51
